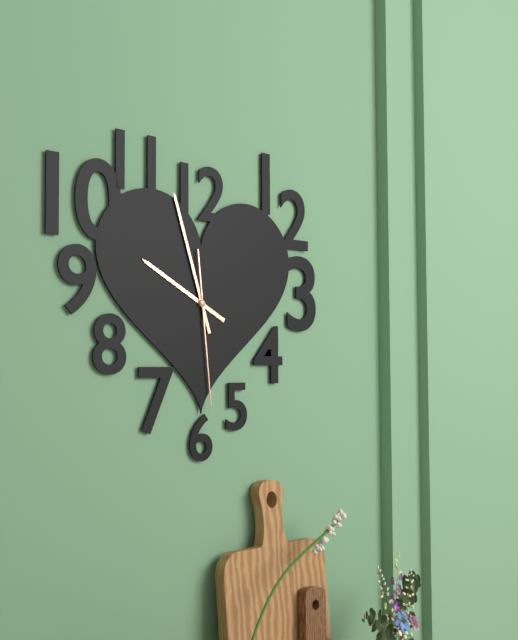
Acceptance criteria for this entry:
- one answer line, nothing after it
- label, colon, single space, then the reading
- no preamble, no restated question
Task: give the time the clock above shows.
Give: 9:57:29
